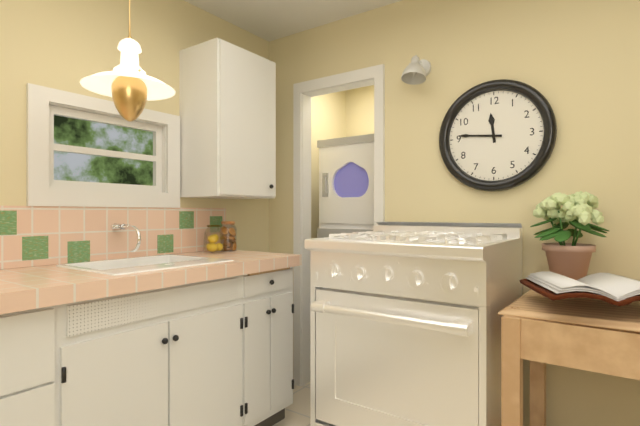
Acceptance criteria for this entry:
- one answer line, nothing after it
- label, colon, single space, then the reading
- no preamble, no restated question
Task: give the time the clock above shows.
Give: 11:46
